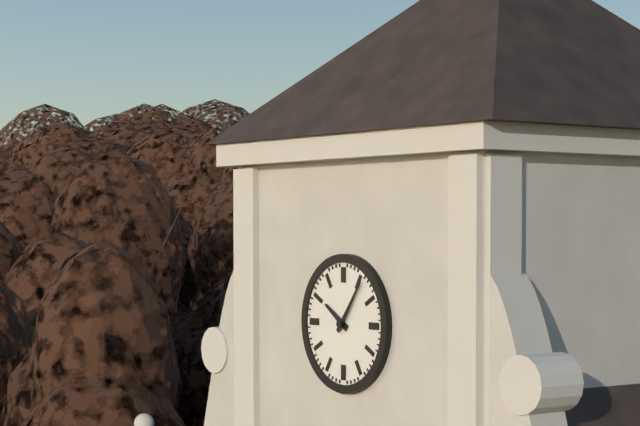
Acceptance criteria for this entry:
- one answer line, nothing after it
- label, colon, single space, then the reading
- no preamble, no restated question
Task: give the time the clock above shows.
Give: 10:06
